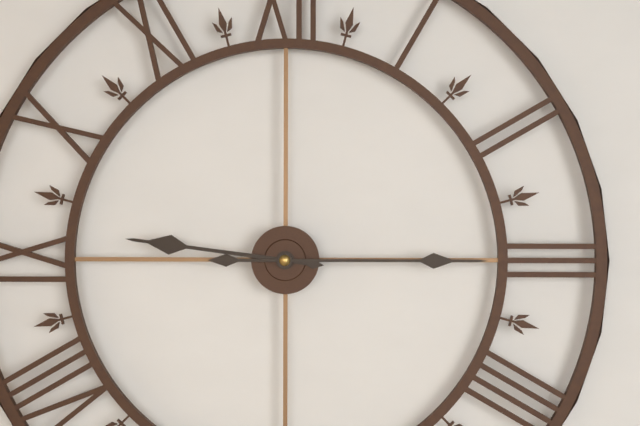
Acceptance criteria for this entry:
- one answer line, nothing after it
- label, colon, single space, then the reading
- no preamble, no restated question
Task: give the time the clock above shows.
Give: 9:15
